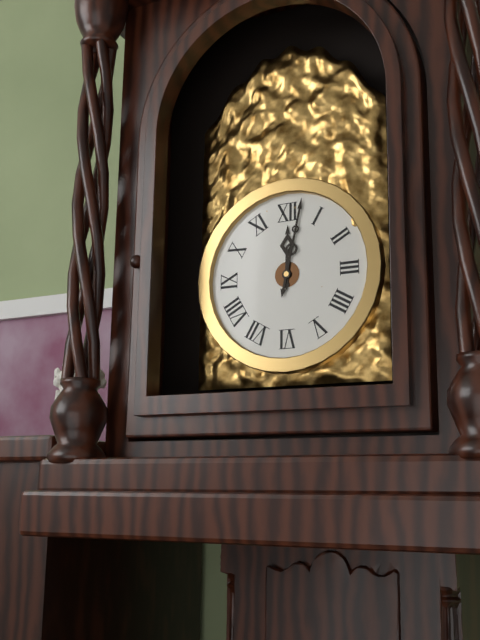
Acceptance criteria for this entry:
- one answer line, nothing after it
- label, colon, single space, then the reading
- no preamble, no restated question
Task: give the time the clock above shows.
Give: 12:02
